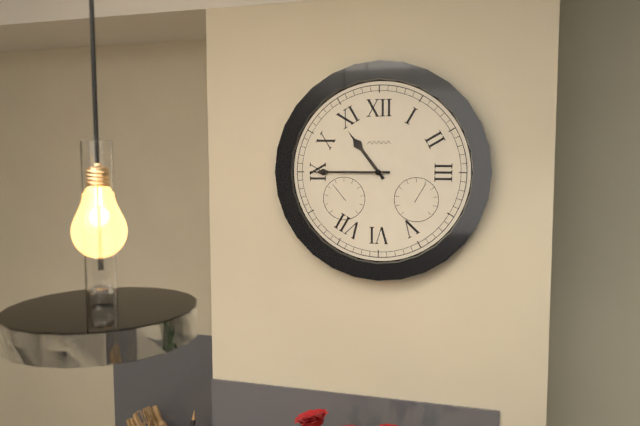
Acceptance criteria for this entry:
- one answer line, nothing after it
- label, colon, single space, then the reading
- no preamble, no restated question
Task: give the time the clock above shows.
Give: 10:45
